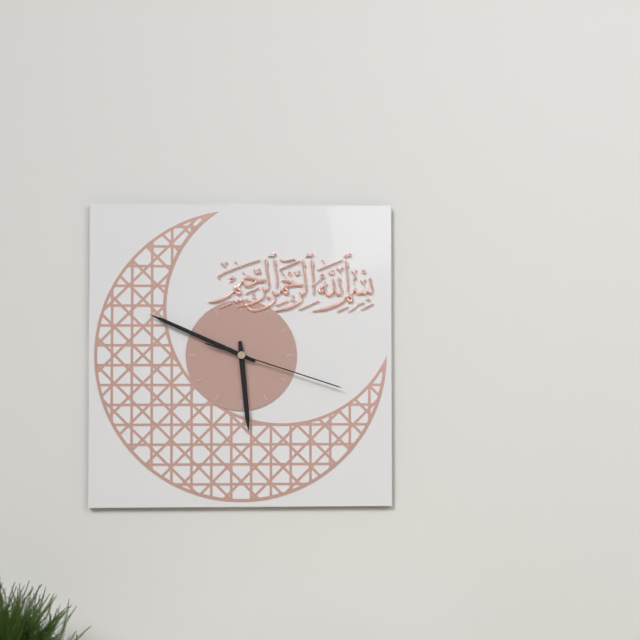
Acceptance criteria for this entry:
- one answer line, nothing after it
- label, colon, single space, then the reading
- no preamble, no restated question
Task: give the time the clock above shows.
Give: 5:49:18
